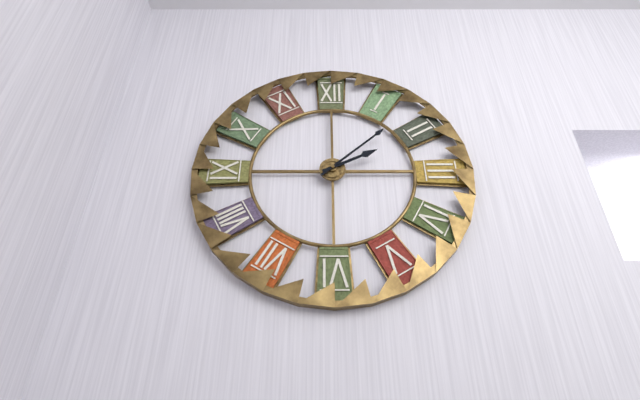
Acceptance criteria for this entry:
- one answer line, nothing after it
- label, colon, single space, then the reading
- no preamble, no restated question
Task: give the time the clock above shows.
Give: 2:08
